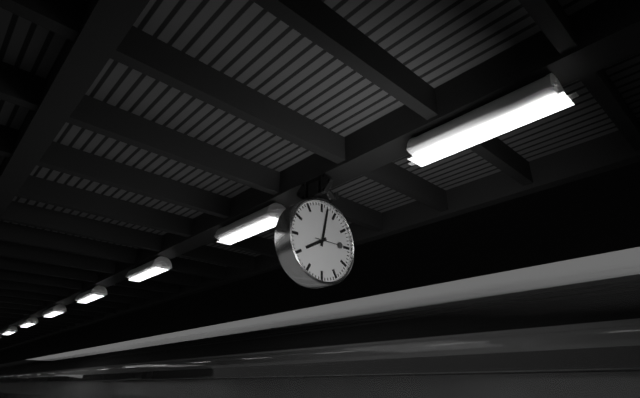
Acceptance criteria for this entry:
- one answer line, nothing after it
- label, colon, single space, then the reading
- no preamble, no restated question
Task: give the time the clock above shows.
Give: 8:02
